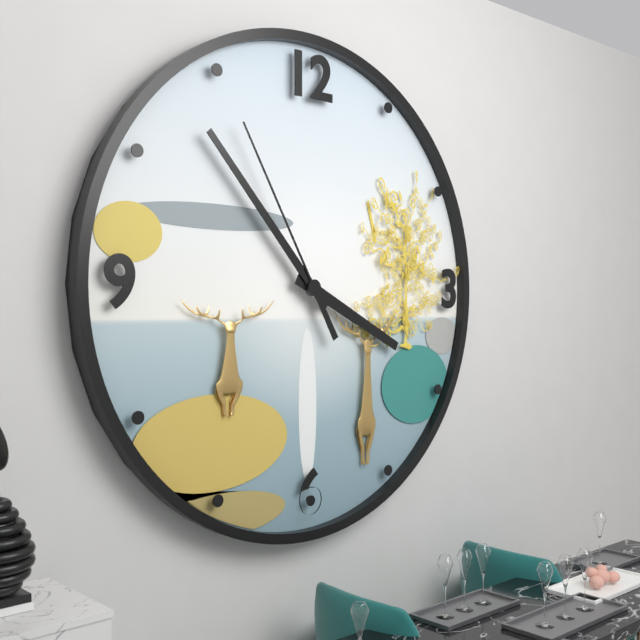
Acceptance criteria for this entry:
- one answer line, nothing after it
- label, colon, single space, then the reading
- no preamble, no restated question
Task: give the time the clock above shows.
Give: 3:53:55
